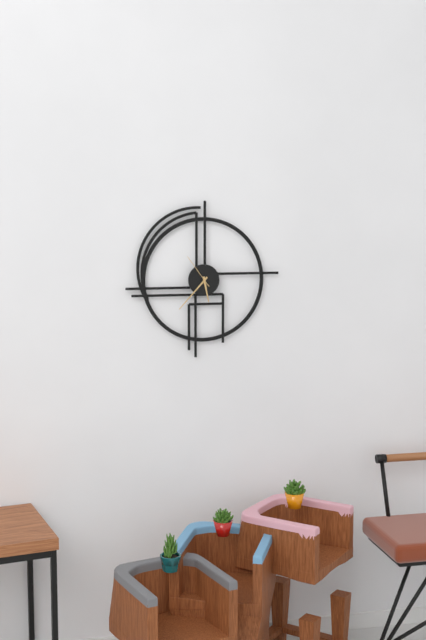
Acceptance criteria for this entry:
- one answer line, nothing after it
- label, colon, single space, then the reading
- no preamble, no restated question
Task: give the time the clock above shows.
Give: 5:37
